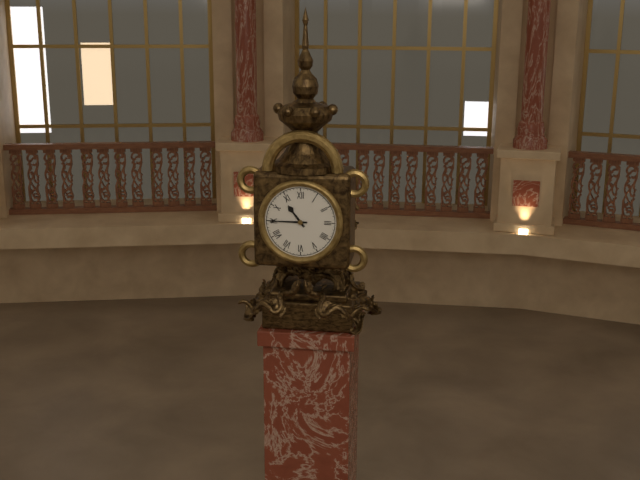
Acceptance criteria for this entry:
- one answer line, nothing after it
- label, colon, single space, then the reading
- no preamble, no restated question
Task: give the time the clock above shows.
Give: 10:45
